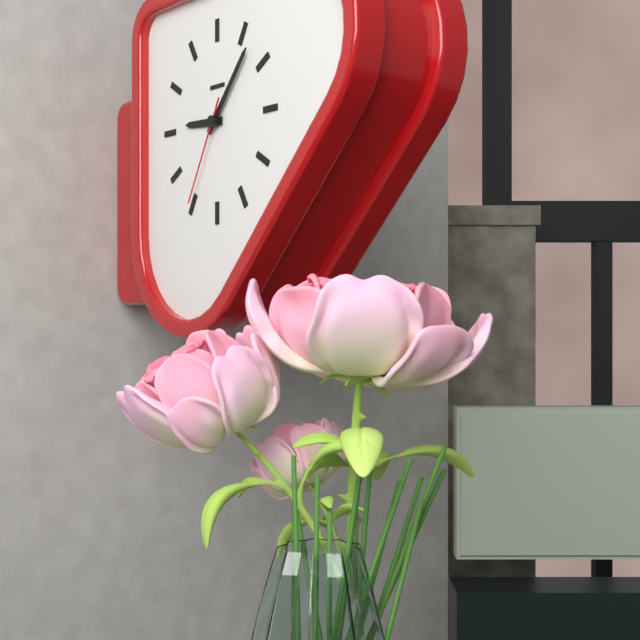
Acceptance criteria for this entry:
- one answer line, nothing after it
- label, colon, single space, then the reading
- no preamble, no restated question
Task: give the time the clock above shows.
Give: 9:07:35
